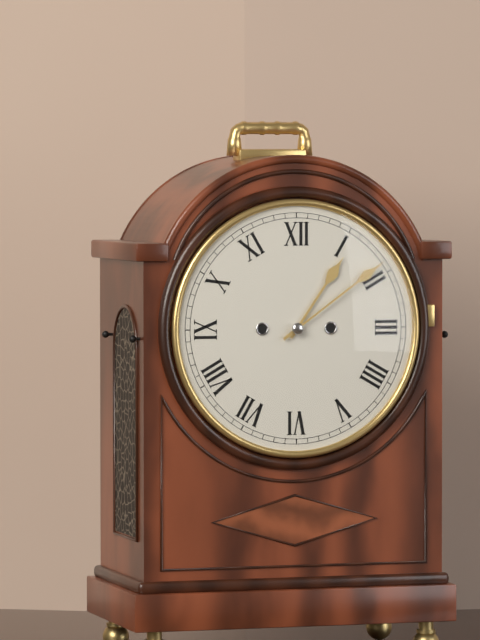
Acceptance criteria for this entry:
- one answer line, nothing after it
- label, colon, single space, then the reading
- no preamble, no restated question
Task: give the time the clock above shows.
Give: 1:09
